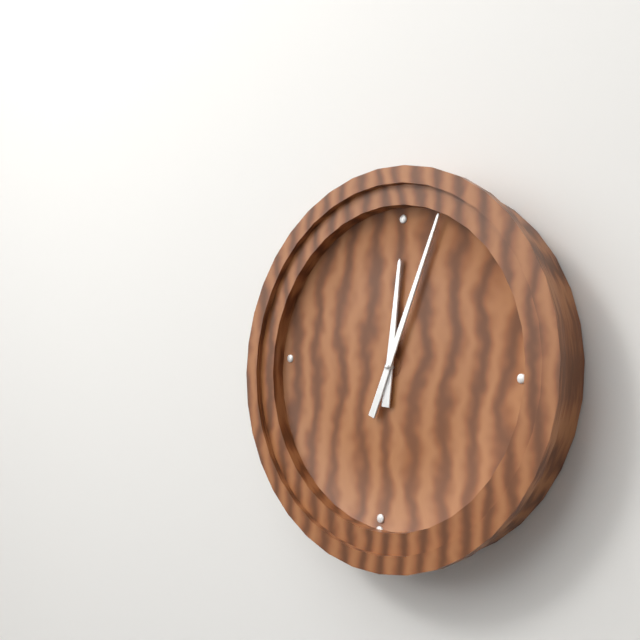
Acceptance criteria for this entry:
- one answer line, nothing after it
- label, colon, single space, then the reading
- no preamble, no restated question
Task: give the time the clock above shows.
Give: 12:03
